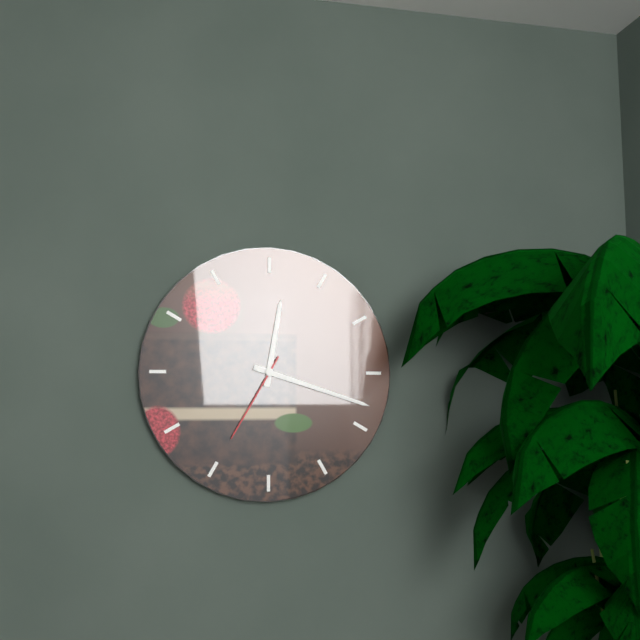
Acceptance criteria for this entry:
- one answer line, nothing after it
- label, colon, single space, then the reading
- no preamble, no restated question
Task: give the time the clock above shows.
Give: 12:18:35
